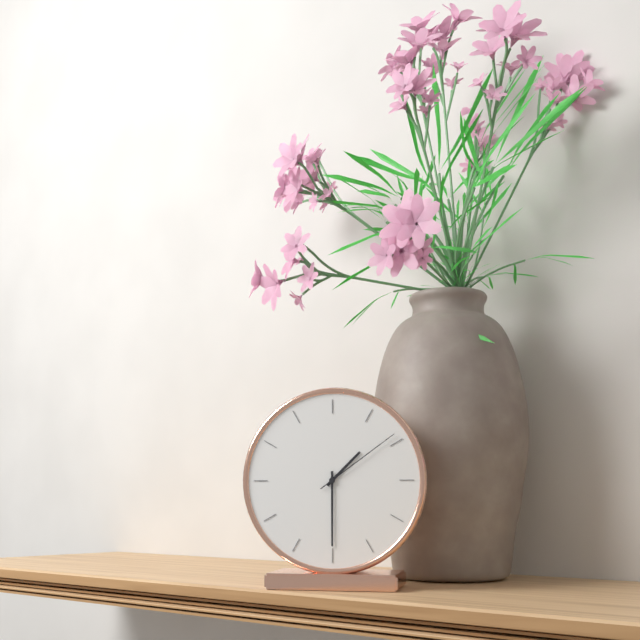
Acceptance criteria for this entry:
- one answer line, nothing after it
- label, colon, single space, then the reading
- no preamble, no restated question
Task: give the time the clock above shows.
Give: 1:30:09
